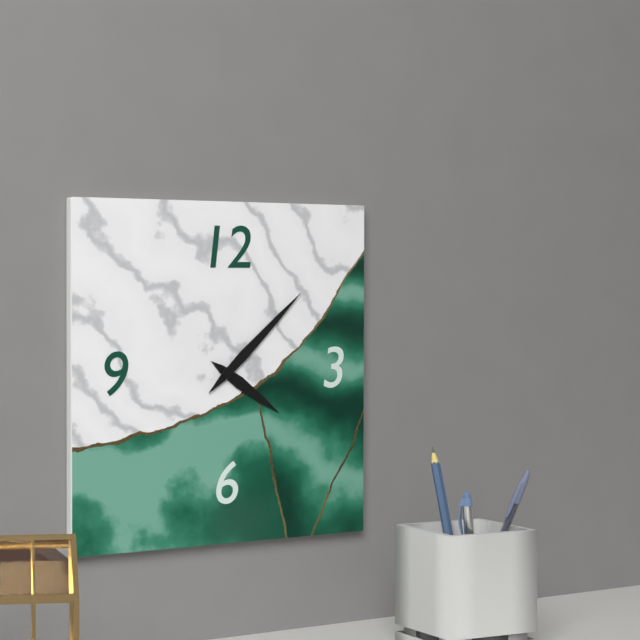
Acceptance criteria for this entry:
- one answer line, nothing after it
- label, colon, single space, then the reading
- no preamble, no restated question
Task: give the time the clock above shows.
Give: 4:08
